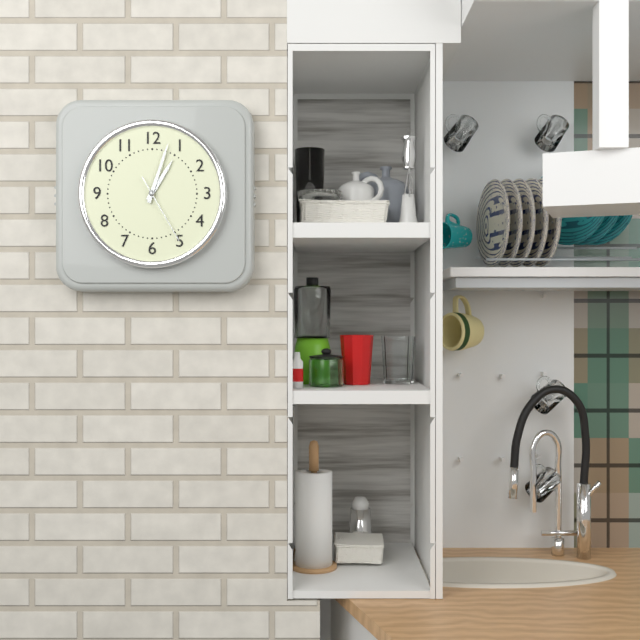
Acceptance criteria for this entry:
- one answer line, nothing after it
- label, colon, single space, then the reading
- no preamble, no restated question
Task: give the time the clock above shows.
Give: 1:03:25
